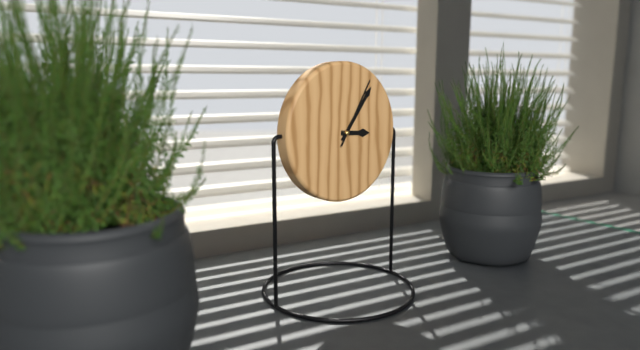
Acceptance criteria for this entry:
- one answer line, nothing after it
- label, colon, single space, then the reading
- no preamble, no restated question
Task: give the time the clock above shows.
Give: 3:06:05
